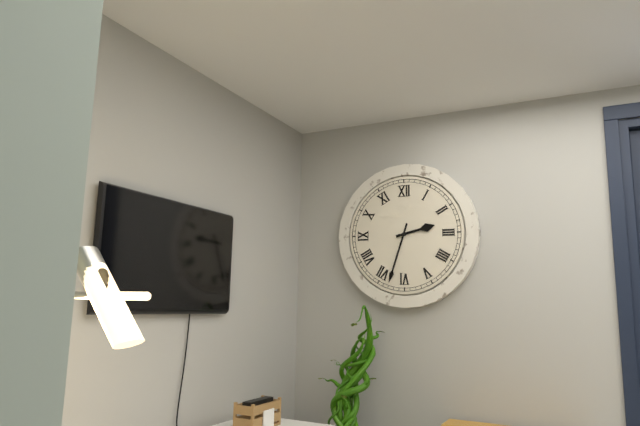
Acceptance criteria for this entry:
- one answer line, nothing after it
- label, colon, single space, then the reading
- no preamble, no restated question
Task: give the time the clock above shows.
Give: 2:33
